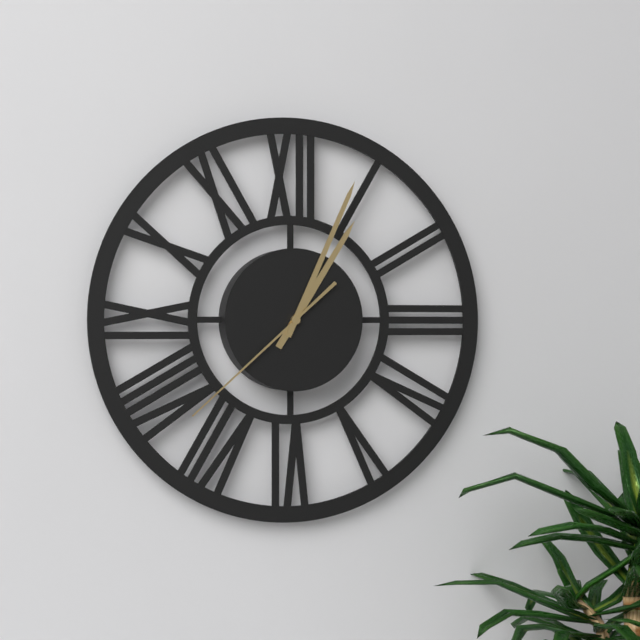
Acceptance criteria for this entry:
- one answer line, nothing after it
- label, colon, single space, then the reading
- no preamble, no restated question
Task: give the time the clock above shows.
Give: 1:04:38
